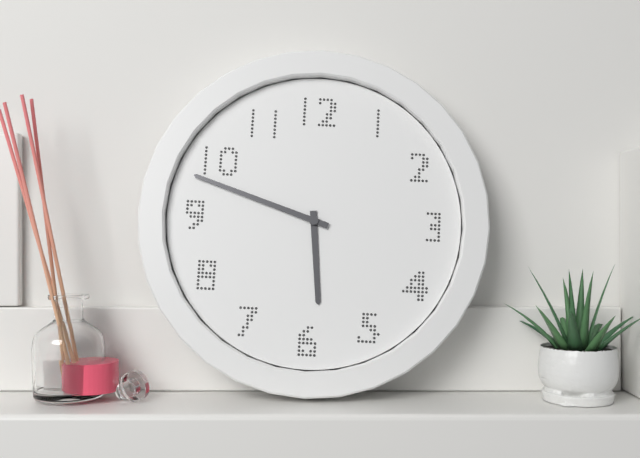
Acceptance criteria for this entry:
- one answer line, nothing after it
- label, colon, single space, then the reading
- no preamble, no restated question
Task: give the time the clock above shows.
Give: 5:48
